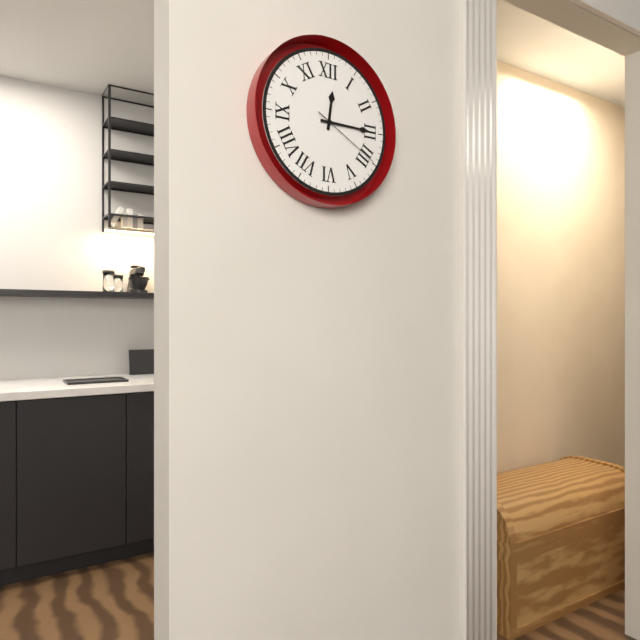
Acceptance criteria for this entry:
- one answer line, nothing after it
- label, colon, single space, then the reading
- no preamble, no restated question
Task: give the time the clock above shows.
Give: 12:15:20
